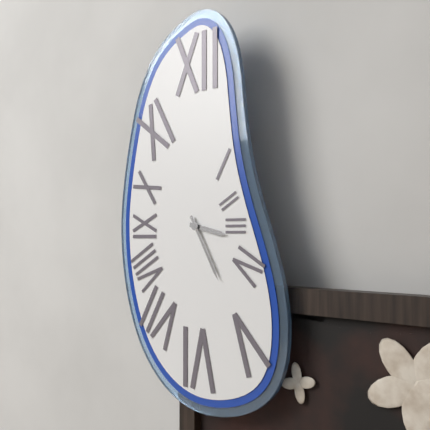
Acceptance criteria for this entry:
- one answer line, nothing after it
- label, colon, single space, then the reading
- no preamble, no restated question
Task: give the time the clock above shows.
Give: 3:25
